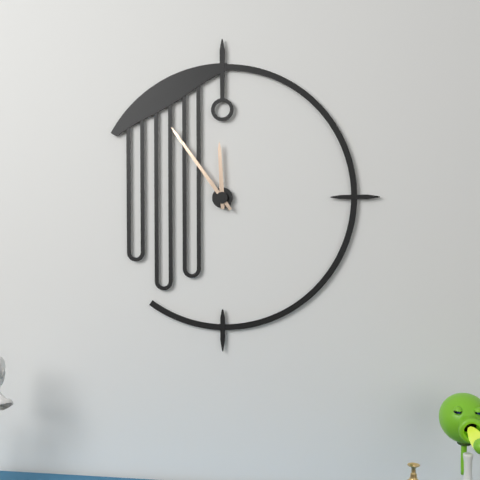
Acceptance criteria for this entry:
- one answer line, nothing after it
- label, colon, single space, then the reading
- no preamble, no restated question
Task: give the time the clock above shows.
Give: 11:54
